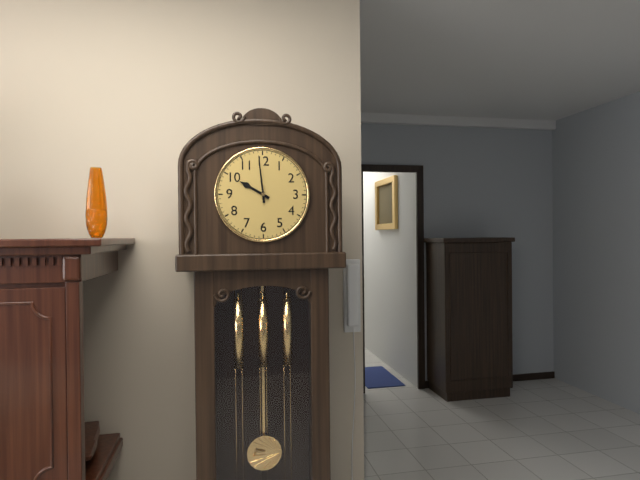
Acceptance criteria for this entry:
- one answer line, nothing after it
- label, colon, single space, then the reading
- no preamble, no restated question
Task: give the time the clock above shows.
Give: 9:59
